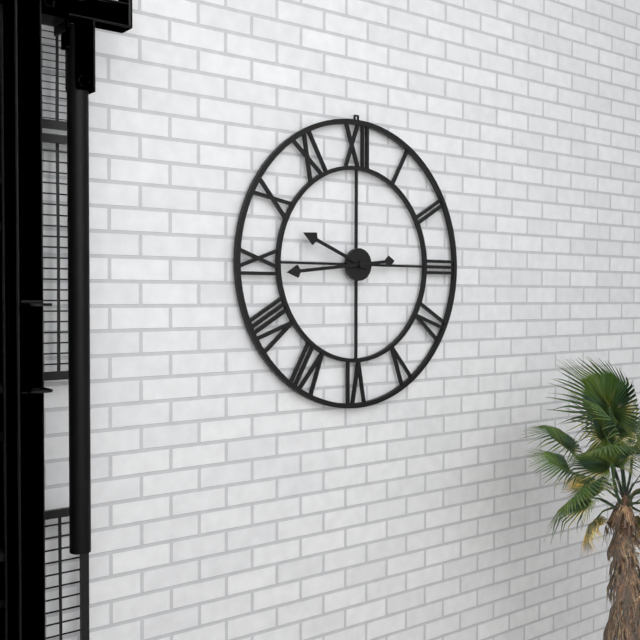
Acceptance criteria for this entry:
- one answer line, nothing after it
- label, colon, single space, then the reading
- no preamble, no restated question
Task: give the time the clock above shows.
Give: 9:44
